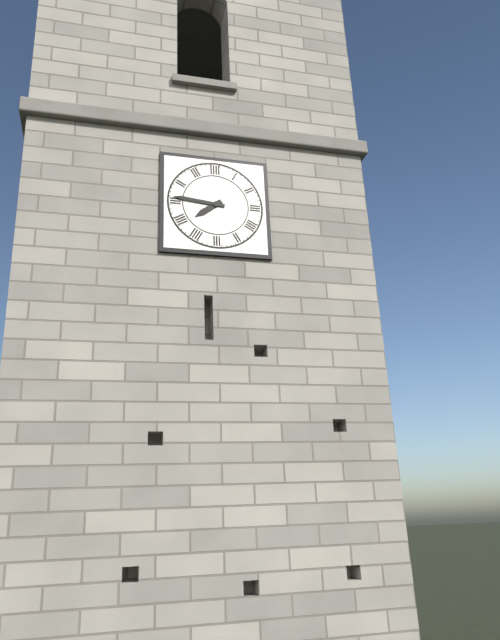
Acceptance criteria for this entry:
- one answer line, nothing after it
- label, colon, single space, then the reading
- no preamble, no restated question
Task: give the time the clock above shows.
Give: 7:46
